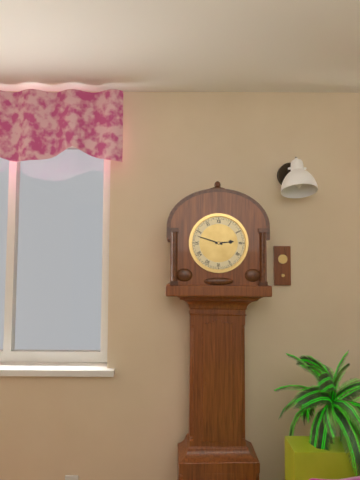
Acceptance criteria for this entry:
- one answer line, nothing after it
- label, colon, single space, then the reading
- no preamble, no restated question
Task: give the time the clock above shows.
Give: 2:48
